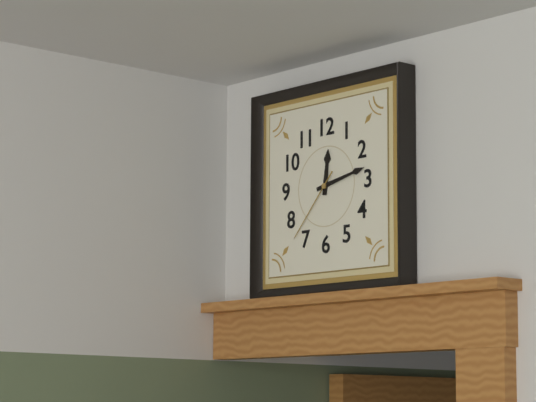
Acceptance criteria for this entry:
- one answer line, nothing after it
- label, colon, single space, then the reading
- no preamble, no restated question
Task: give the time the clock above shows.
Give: 12:13:37
